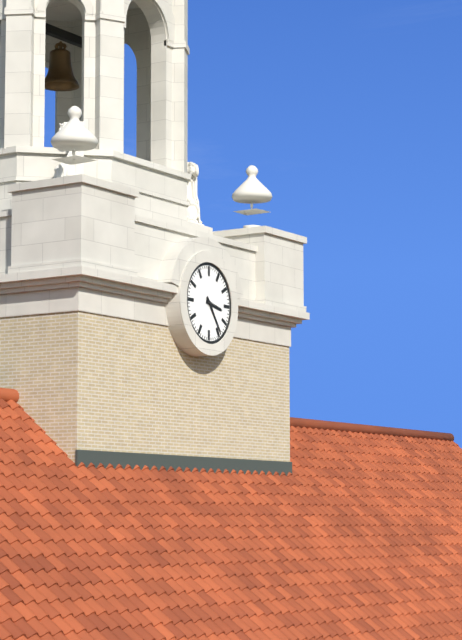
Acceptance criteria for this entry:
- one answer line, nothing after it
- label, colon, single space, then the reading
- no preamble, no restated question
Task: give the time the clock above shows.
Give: 3:24
